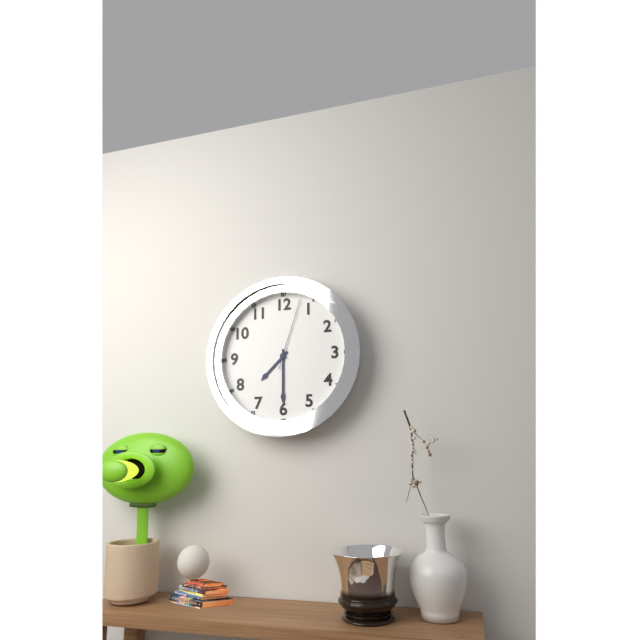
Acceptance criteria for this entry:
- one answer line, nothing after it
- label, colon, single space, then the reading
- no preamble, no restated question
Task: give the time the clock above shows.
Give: 7:30:03
